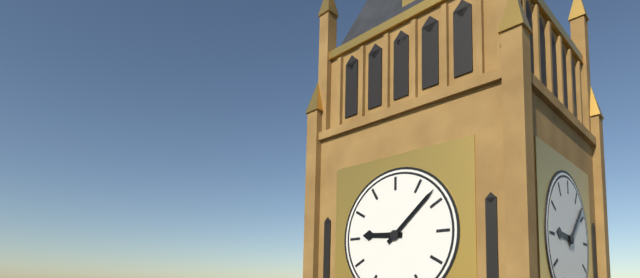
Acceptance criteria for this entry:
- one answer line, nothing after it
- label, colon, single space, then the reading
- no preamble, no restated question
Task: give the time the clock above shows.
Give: 9:08
